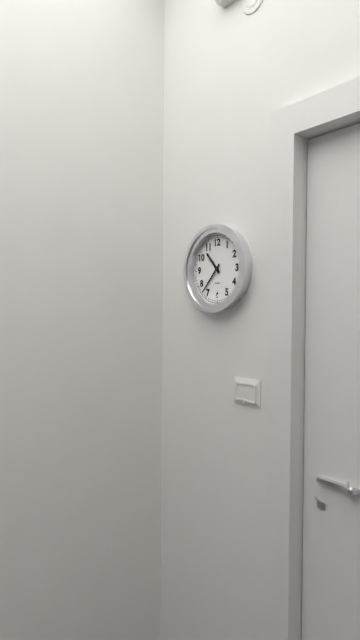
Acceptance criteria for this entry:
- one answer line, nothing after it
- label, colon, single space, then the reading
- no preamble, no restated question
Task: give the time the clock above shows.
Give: 10:37
